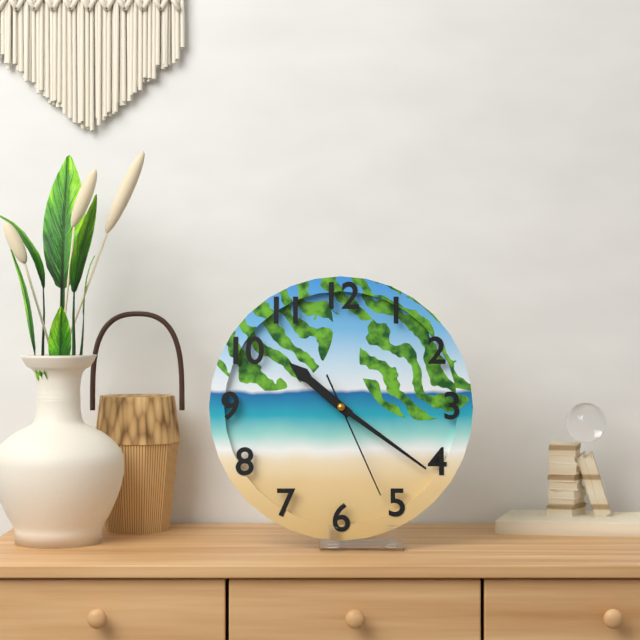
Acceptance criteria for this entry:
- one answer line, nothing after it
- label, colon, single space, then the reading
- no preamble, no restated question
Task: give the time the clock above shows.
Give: 10:21:26
